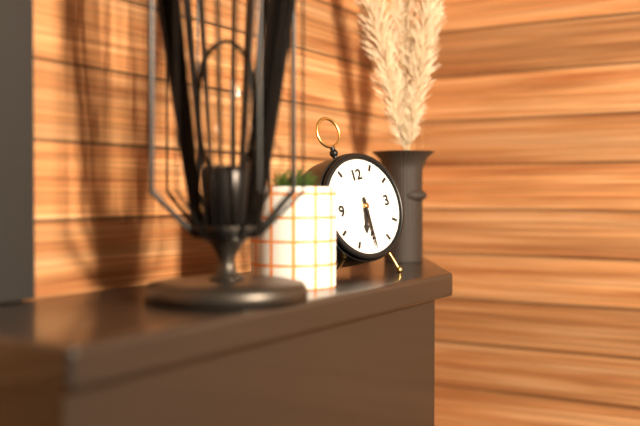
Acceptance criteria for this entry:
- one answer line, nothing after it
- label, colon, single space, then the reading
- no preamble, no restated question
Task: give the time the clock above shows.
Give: 6:30
